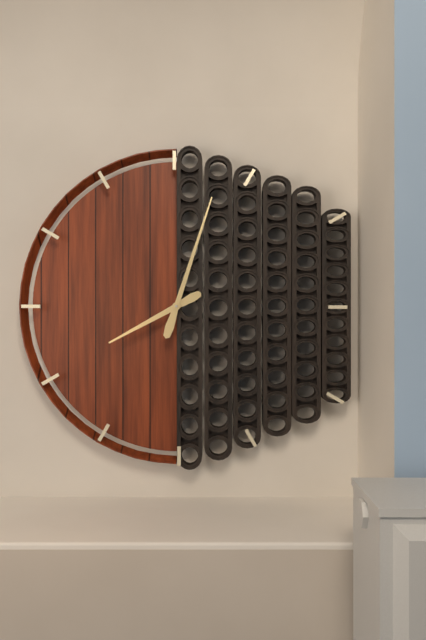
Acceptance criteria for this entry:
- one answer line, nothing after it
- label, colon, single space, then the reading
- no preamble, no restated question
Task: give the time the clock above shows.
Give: 8:03
